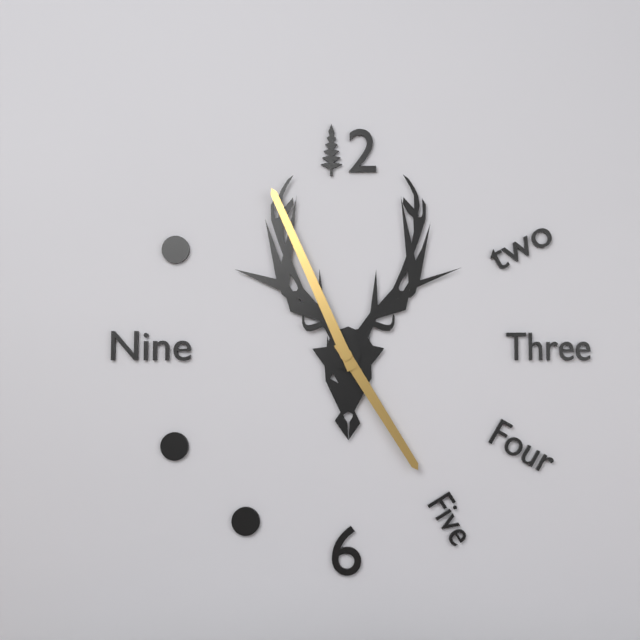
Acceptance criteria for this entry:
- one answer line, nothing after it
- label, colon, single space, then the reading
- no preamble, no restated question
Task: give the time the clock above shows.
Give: 4:56
